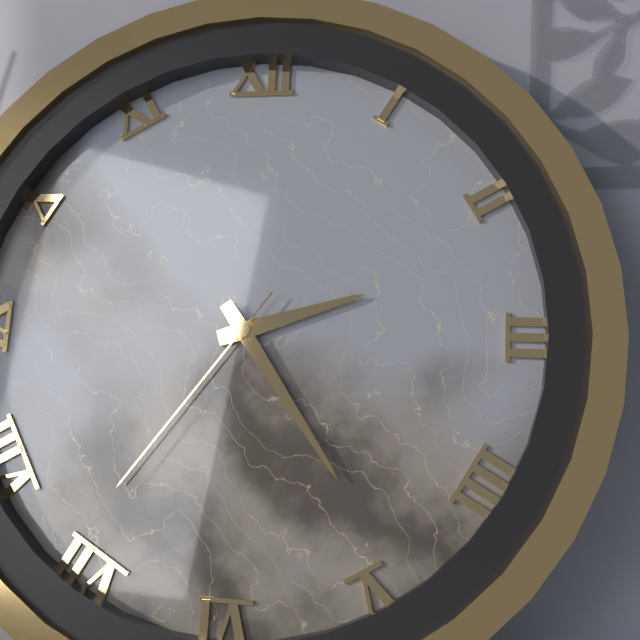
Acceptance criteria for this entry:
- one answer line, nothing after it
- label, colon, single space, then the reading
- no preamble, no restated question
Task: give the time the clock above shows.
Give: 2:24:36
